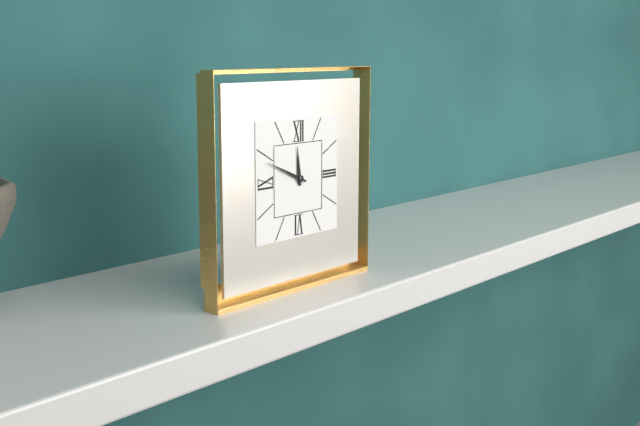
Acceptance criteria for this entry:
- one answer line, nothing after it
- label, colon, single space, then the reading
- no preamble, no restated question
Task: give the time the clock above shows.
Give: 11:49
